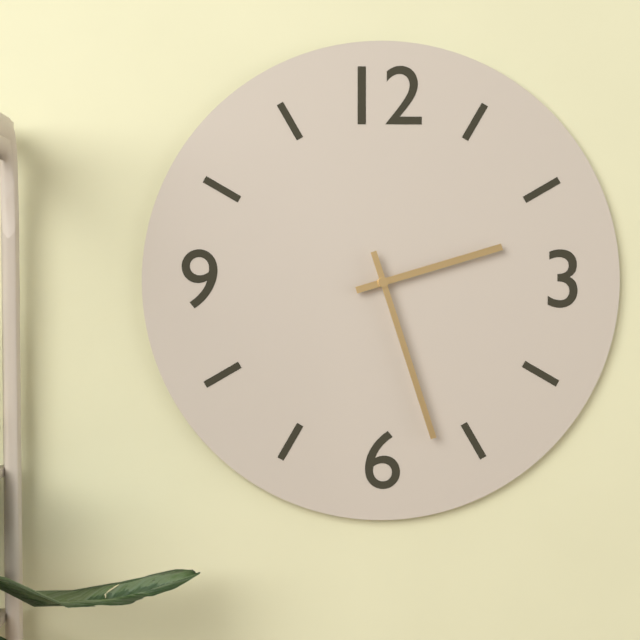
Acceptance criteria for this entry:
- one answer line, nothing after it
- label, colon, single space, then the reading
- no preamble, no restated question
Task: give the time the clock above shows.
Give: 2:27
